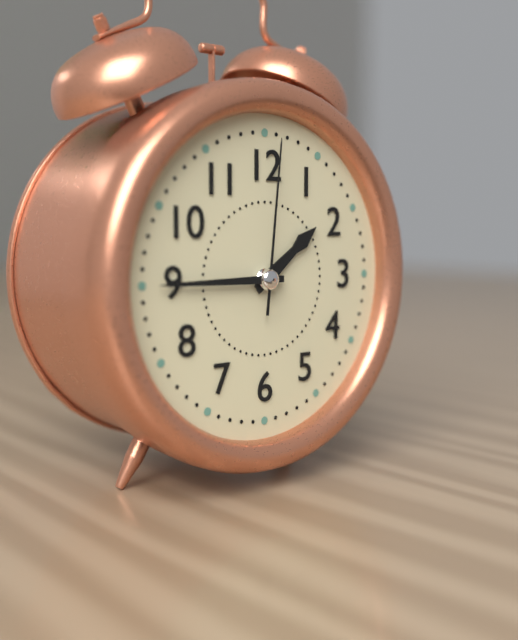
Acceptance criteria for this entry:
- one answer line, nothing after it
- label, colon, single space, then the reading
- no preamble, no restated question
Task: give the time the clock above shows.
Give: 1:45:01
